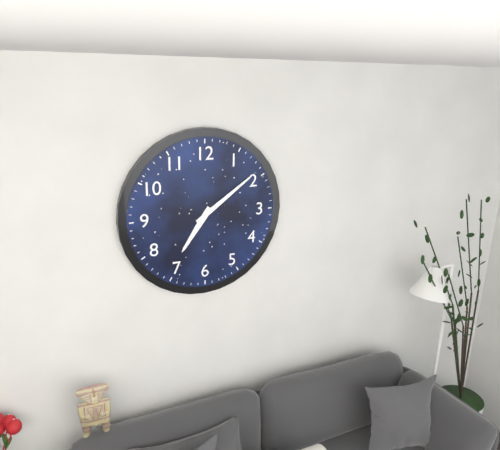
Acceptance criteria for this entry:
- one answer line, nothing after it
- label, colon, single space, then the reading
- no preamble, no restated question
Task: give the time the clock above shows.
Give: 7:09
